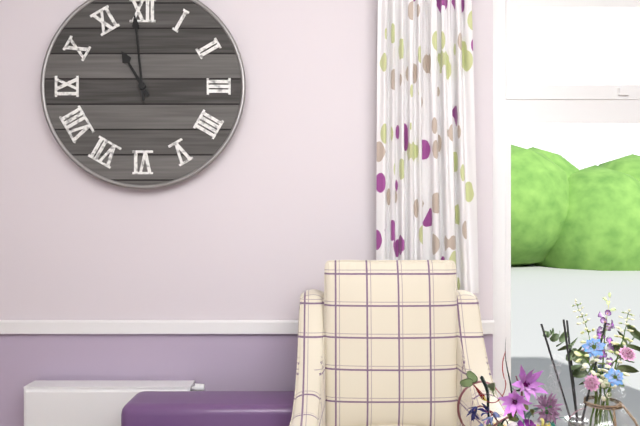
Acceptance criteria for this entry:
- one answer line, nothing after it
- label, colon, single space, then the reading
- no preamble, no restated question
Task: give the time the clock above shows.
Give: 10:59
